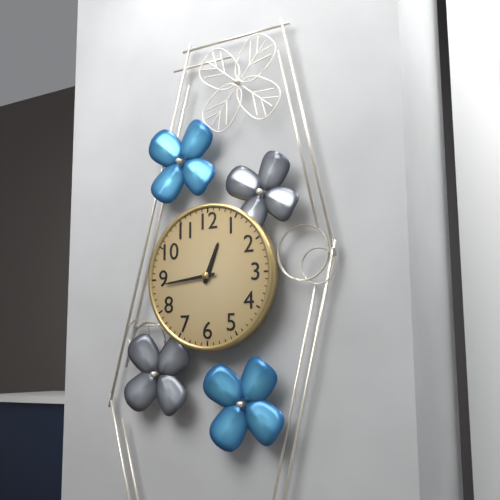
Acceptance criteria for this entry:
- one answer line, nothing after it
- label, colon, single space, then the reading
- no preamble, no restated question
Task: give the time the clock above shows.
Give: 12:44
